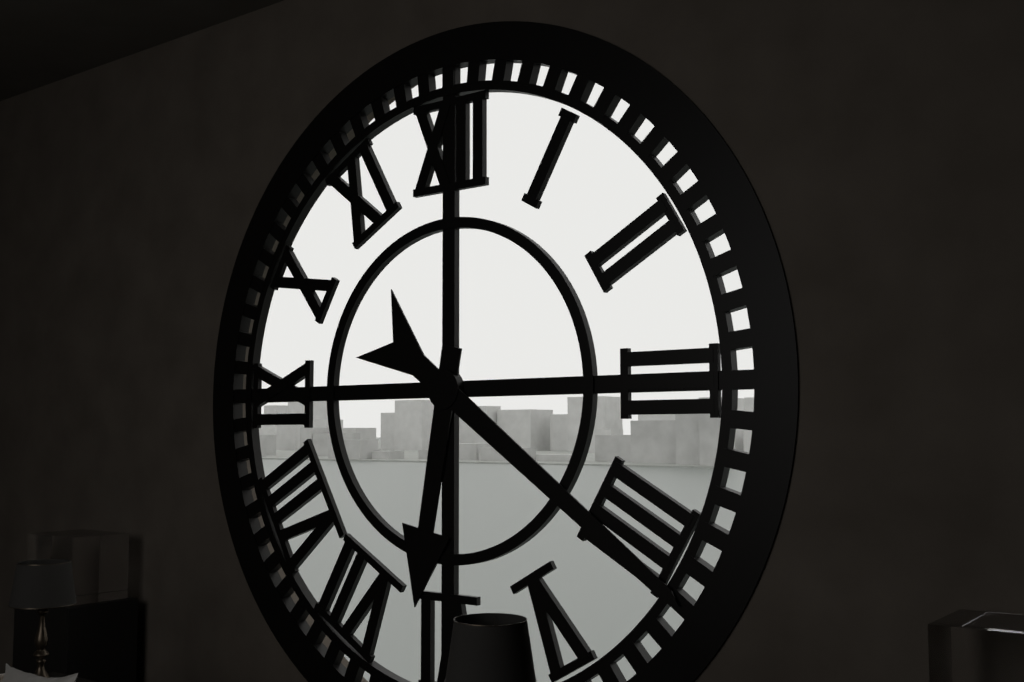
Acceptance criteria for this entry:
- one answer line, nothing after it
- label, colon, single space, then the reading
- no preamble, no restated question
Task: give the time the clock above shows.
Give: 6:21
